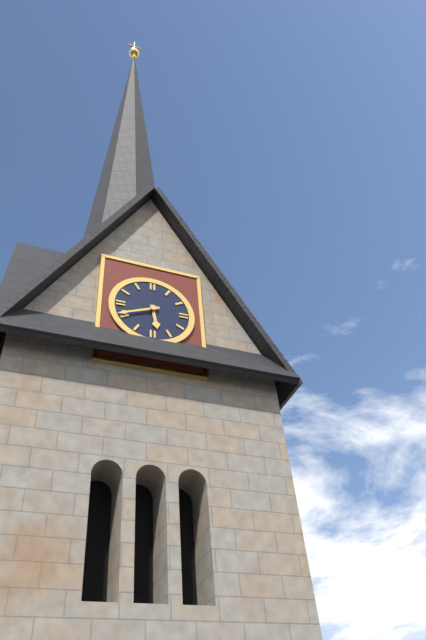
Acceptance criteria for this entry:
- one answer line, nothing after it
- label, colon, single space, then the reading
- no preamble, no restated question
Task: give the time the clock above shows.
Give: 5:41
